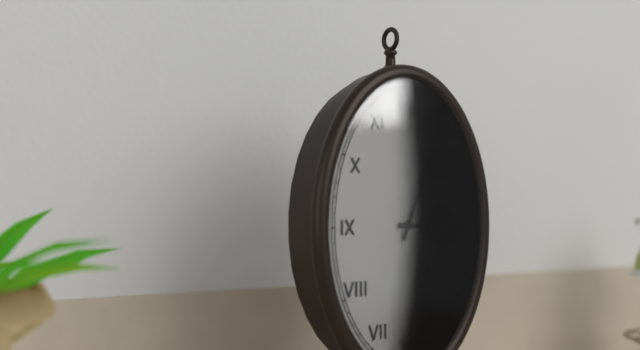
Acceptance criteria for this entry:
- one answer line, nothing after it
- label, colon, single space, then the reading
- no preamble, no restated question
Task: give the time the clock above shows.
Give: 3:04
